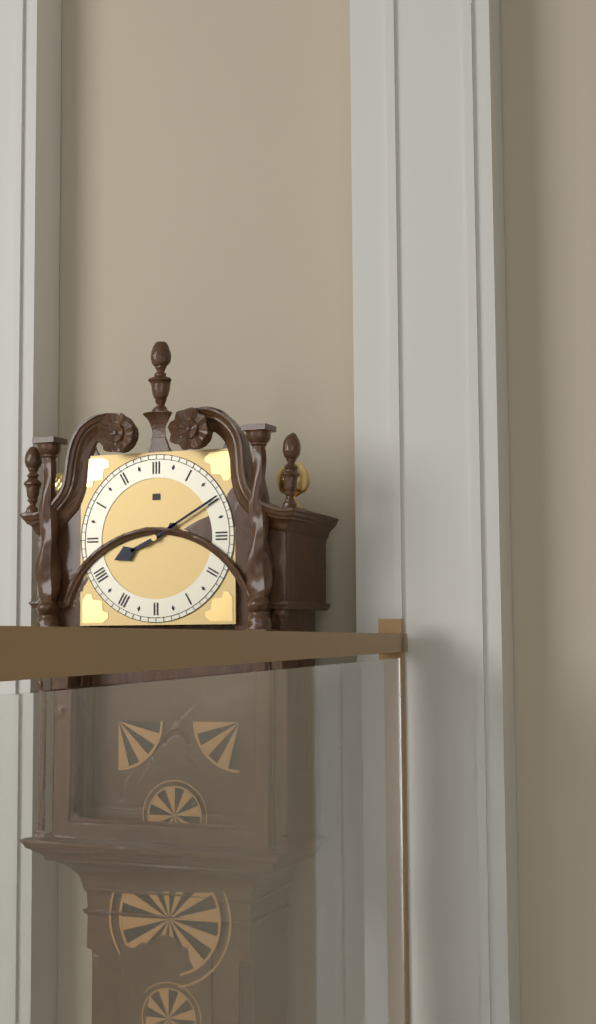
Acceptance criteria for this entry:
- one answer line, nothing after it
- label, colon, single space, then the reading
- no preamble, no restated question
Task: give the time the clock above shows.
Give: 8:10
